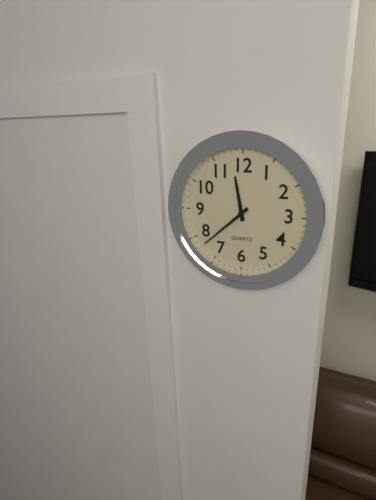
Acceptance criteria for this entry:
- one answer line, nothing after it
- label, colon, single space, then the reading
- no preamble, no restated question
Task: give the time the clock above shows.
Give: 11:38
